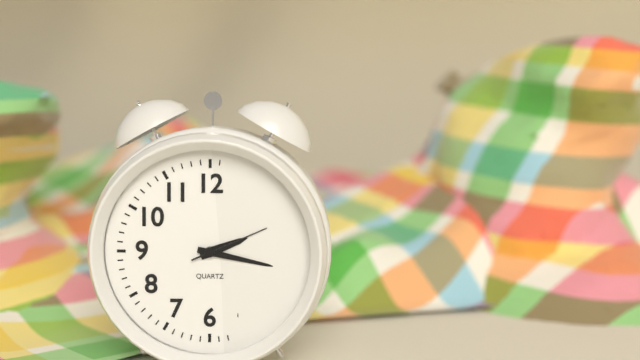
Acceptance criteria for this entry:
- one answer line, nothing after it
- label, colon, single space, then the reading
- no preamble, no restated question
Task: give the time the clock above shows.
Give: 2:17:11
